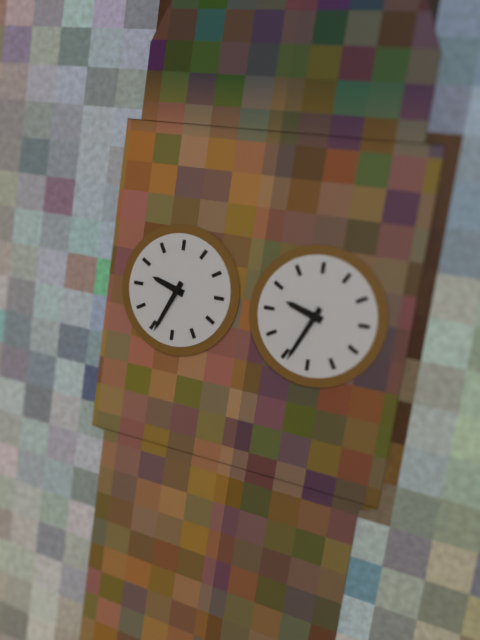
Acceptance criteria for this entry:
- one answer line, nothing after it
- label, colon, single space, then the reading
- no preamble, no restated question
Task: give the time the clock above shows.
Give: 9:34
